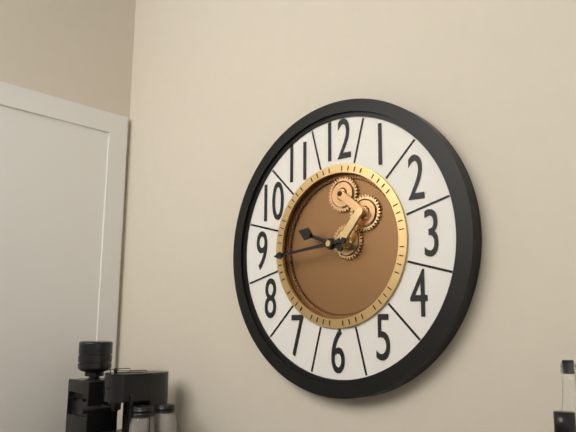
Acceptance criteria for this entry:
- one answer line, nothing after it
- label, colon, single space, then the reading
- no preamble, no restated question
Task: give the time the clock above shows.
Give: 9:44
